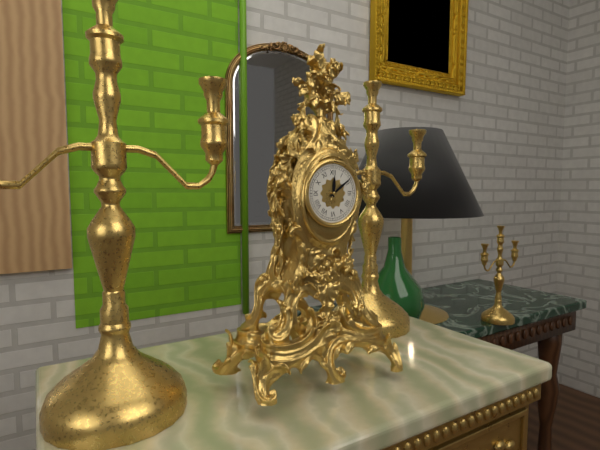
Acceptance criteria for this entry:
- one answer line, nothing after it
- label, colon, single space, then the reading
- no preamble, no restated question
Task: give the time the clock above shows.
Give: 12:09
